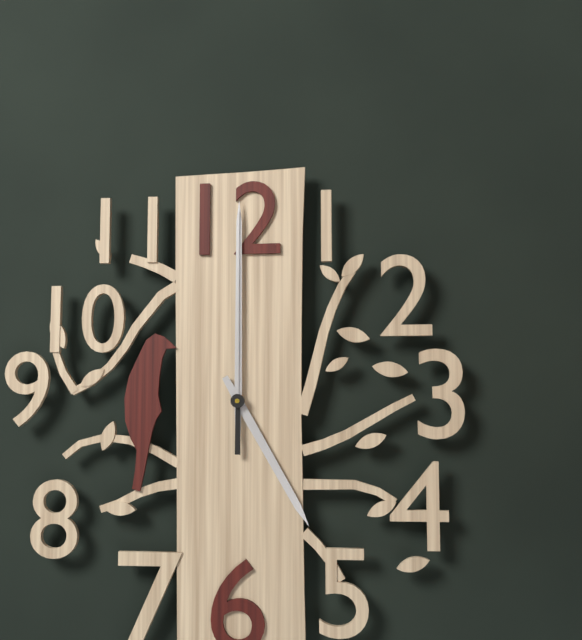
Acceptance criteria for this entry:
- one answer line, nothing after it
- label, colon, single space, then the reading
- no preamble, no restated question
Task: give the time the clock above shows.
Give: 5:00:00
